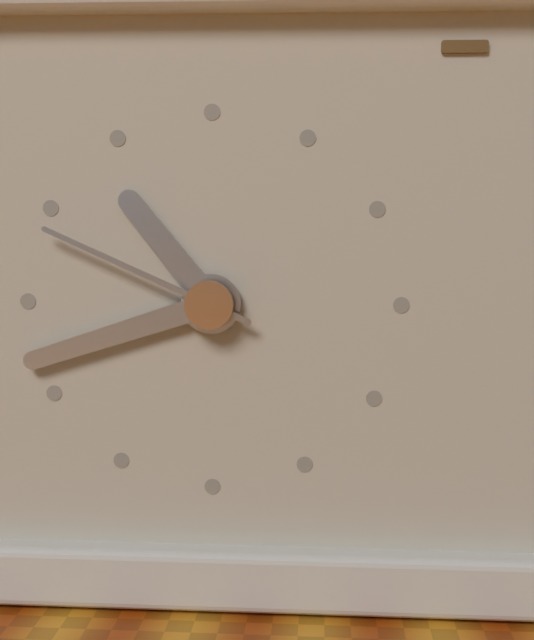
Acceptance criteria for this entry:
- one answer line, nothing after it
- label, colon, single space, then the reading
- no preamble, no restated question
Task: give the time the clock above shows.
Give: 10:42:49
